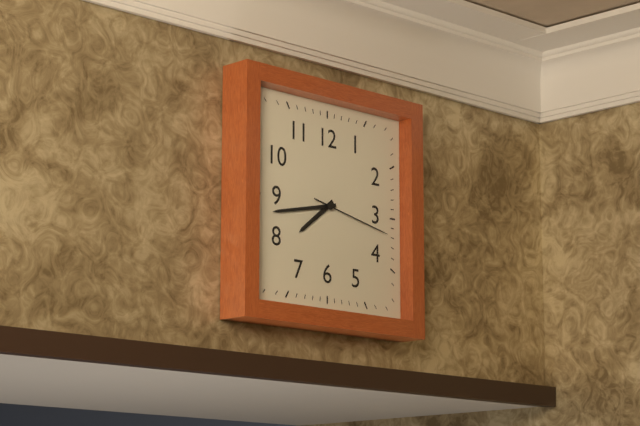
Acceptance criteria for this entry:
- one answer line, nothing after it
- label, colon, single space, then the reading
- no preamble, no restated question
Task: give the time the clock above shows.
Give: 7:43:17
